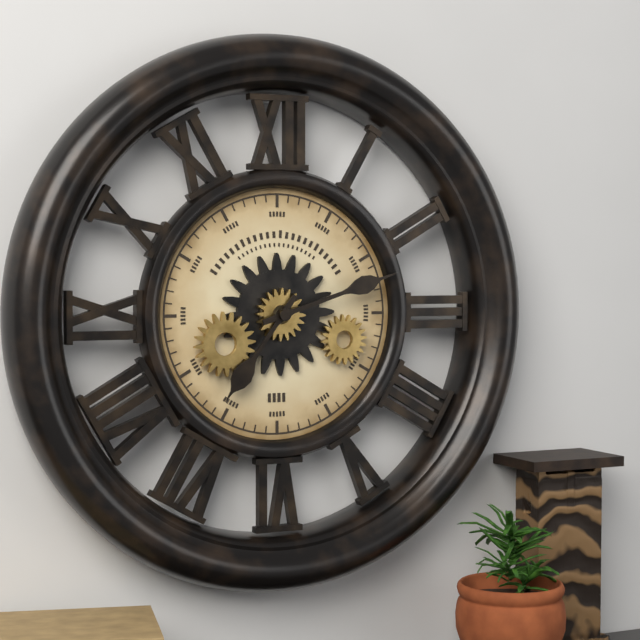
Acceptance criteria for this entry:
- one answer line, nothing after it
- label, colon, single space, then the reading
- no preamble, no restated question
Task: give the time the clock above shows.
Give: 7:12
